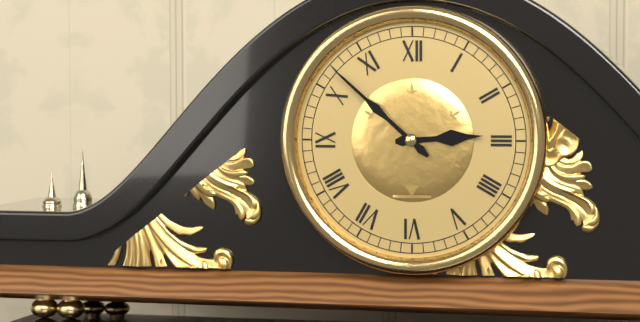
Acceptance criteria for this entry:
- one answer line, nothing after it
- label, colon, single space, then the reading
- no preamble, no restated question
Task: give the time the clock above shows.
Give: 2:52
